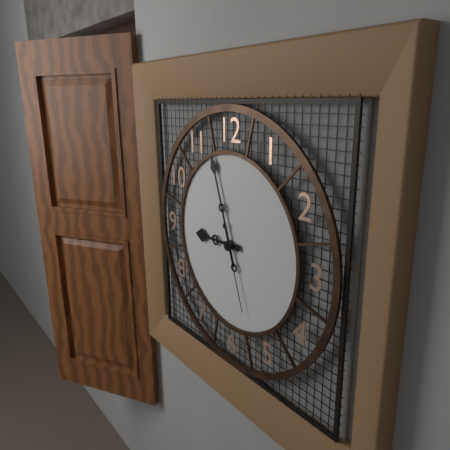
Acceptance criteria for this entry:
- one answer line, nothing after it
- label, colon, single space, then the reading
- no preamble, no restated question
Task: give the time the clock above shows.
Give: 8:57:27
